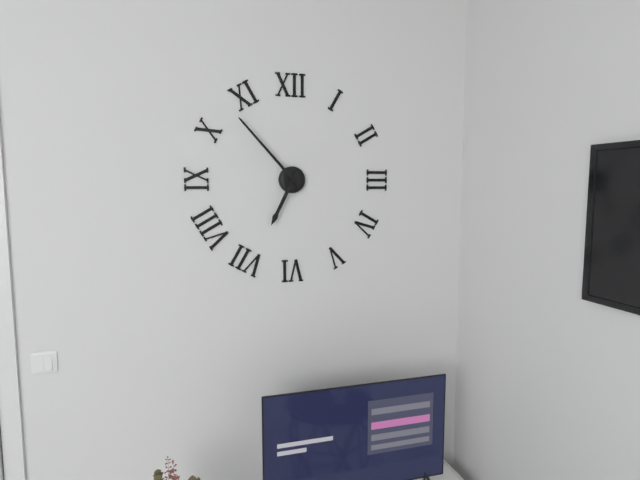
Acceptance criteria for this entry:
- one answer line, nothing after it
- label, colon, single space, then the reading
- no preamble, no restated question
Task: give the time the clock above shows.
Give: 6:53
